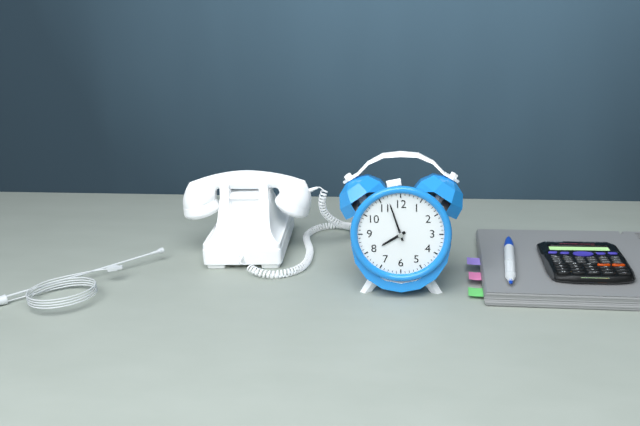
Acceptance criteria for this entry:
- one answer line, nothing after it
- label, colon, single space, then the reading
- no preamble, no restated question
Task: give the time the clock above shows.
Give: 7:57
